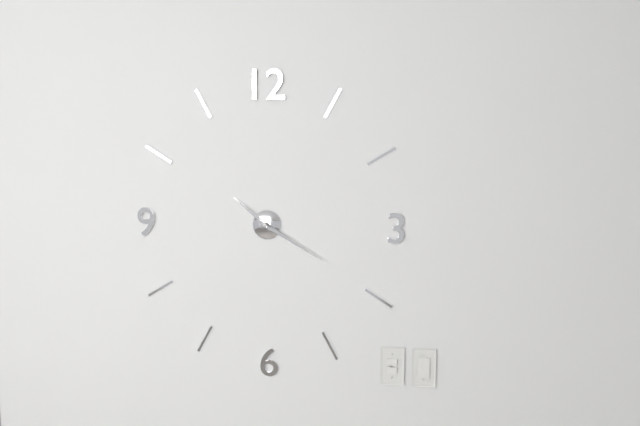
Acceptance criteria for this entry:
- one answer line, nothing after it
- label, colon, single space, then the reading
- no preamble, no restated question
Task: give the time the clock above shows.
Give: 10:20
